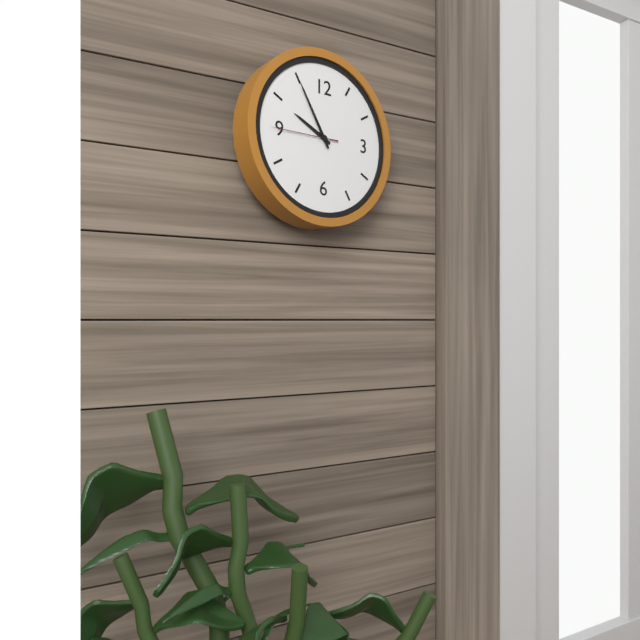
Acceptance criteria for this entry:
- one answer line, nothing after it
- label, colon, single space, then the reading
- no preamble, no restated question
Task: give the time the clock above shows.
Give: 9:55:45
